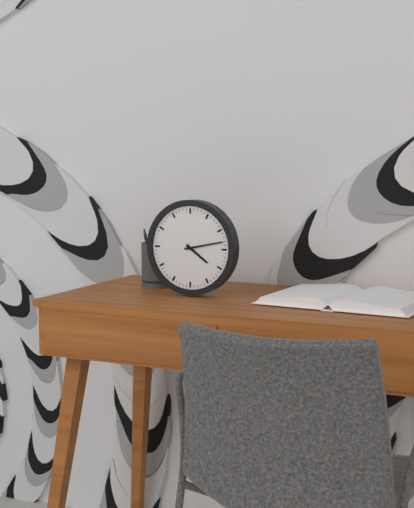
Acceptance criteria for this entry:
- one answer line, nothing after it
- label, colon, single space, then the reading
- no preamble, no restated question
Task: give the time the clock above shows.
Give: 4:13
